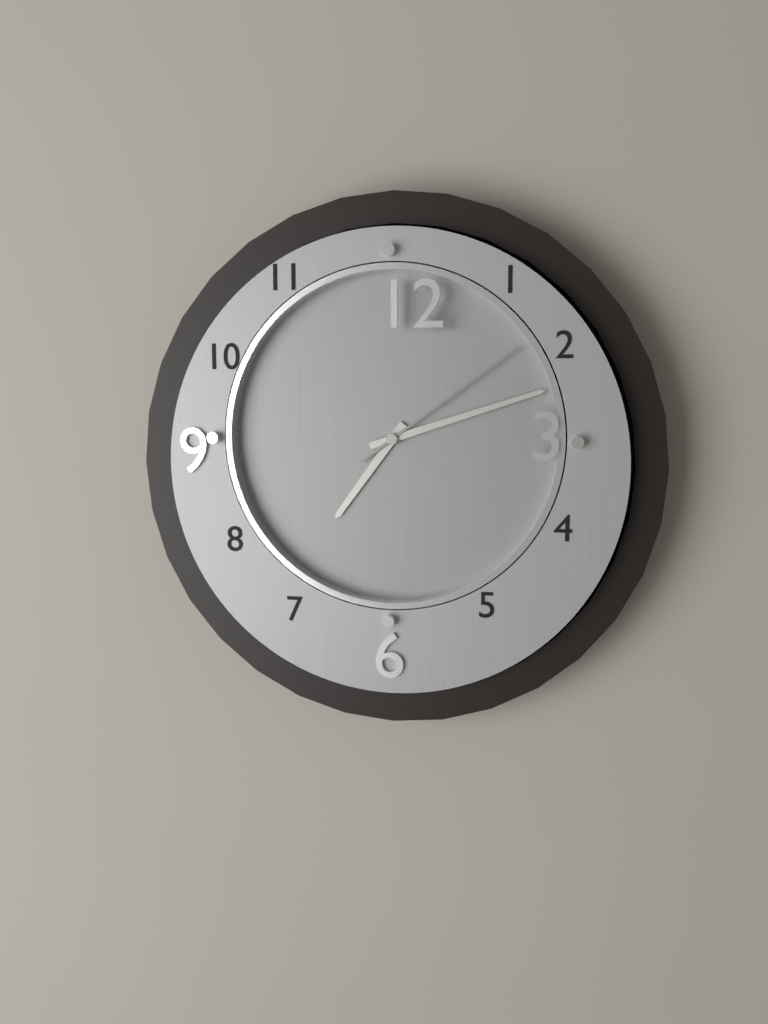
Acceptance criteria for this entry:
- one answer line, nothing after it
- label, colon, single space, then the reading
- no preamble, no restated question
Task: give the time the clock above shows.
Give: 7:12:09
